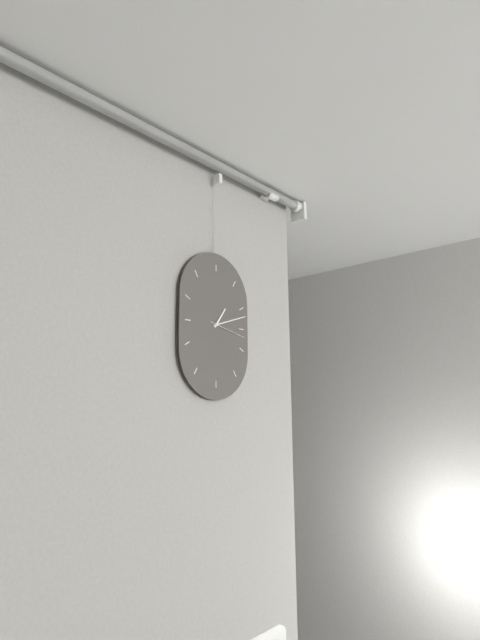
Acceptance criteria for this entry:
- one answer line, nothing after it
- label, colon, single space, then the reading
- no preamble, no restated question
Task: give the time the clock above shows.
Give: 1:12
